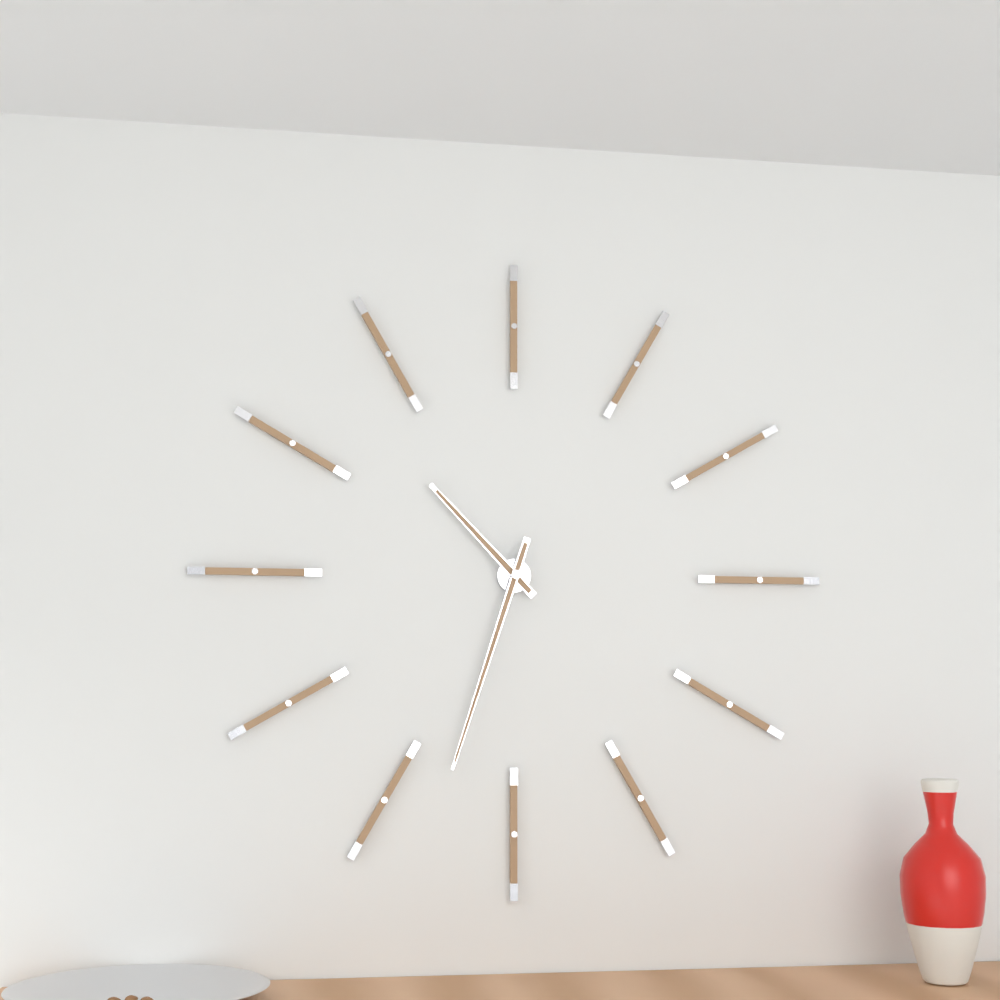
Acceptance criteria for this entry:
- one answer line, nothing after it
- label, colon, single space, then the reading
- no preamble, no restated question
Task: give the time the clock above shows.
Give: 10:33
